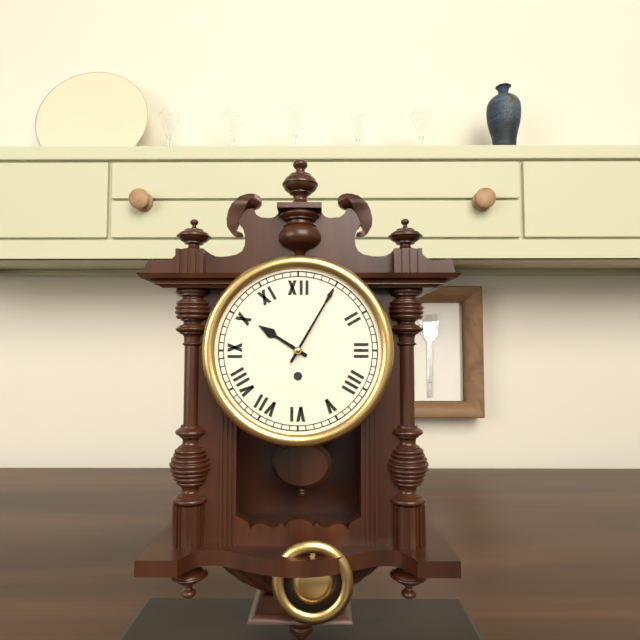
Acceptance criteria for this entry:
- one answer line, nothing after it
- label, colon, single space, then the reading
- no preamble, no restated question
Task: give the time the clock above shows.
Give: 10:05
